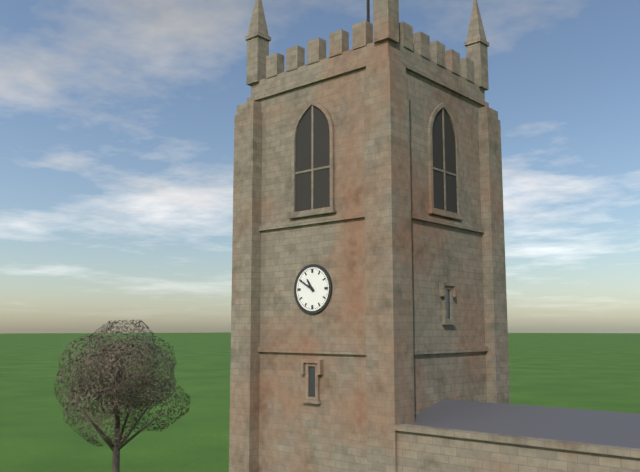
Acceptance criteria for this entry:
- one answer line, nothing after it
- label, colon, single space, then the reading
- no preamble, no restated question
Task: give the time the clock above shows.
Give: 10:50
